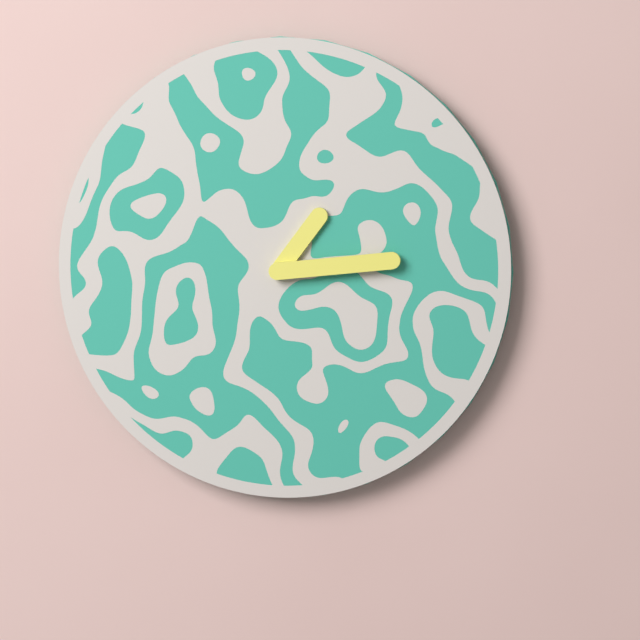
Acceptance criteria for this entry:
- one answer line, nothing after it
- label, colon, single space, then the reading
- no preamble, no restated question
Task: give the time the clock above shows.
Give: 1:14
